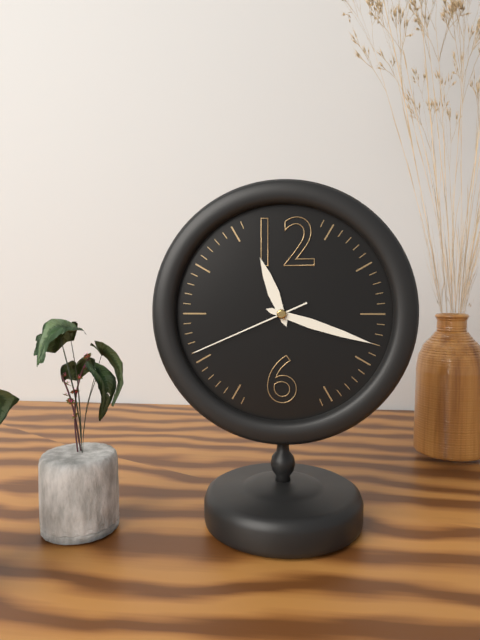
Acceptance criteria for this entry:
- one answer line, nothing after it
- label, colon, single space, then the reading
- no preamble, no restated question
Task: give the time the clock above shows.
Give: 11:18:41
